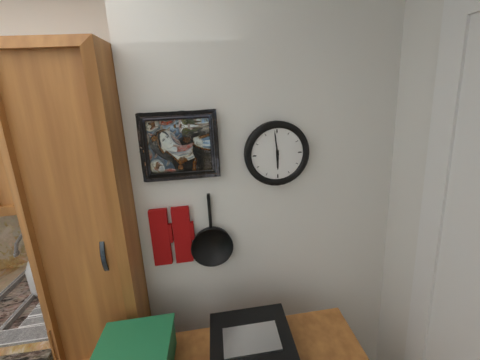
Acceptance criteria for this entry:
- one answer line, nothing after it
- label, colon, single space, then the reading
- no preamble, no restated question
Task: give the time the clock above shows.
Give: 5:59
